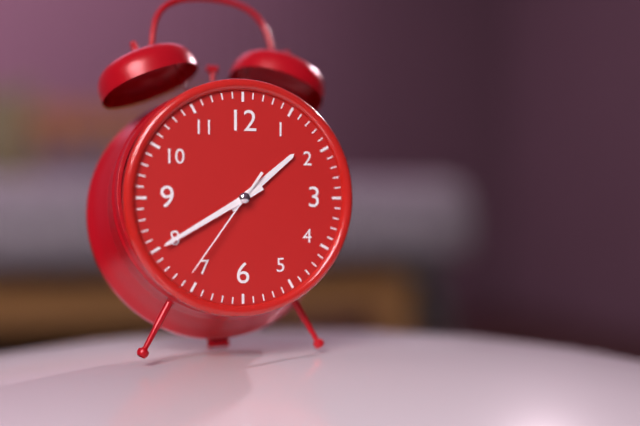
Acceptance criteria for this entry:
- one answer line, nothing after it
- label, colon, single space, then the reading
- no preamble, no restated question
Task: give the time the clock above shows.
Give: 1:40:36
